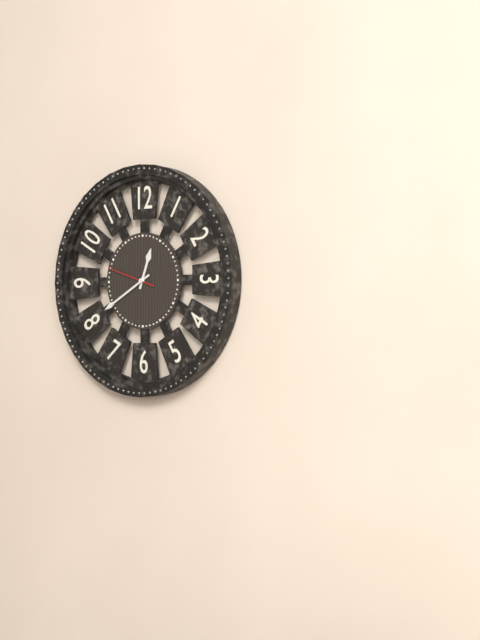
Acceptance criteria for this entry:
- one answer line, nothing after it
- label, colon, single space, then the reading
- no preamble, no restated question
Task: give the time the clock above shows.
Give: 12:40:48
